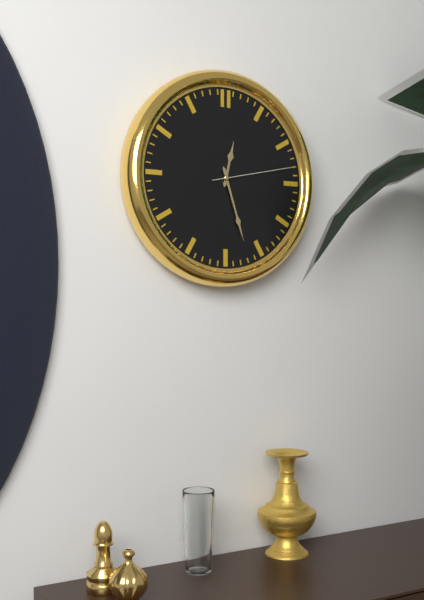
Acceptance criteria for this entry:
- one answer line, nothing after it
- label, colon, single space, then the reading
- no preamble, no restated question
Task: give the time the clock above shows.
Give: 12:27:13
